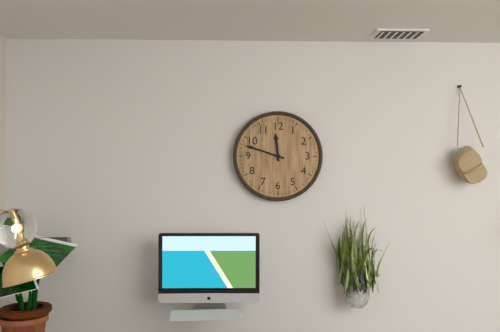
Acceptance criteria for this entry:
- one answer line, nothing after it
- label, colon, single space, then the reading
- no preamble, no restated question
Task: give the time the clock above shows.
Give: 11:48
